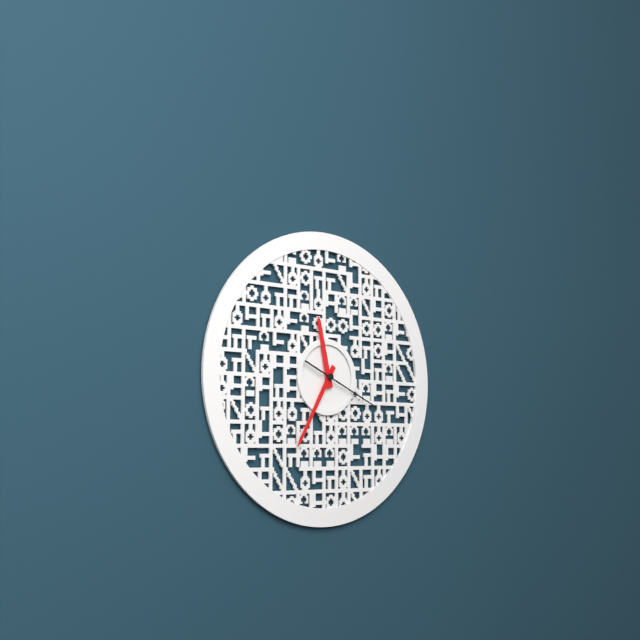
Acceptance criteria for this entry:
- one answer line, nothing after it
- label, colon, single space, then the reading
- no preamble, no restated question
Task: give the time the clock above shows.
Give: 11:35:19
